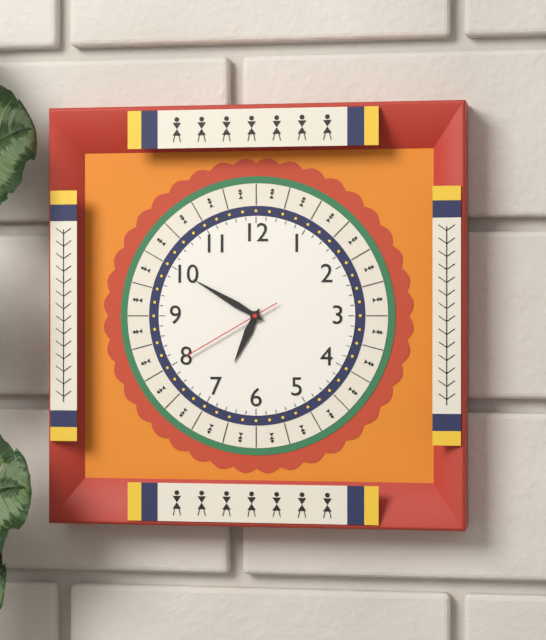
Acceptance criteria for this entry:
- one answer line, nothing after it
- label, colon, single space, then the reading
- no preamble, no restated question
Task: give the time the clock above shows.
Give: 6:50:40
